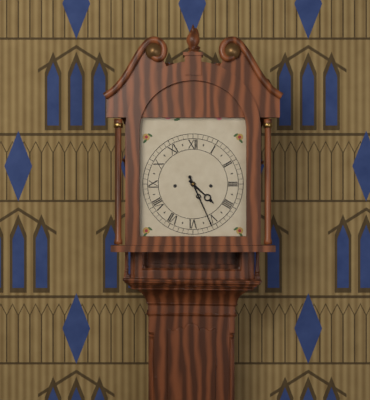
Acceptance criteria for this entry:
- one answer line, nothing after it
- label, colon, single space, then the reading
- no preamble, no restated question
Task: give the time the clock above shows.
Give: 4:26
